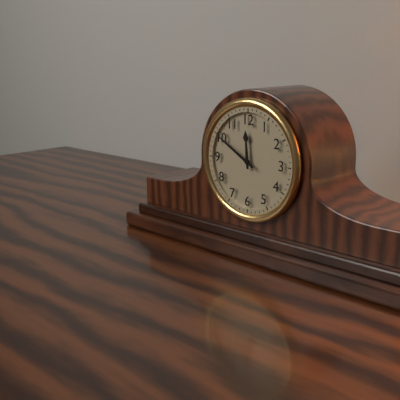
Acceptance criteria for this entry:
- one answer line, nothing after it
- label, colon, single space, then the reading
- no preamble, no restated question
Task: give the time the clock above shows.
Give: 11:50
